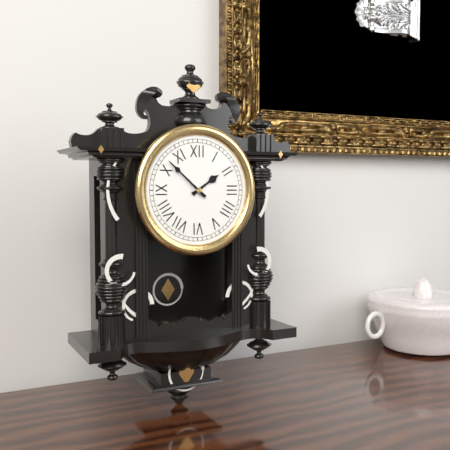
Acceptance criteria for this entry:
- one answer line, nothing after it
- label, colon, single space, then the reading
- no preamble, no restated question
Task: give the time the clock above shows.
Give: 1:52
